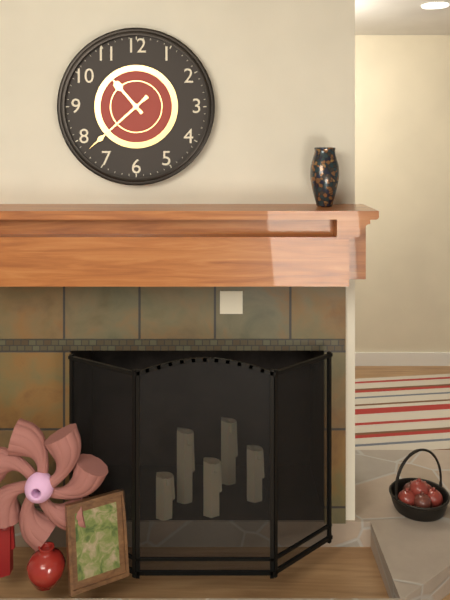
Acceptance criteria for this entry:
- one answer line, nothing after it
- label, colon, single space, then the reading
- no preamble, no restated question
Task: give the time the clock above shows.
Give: 10:38
